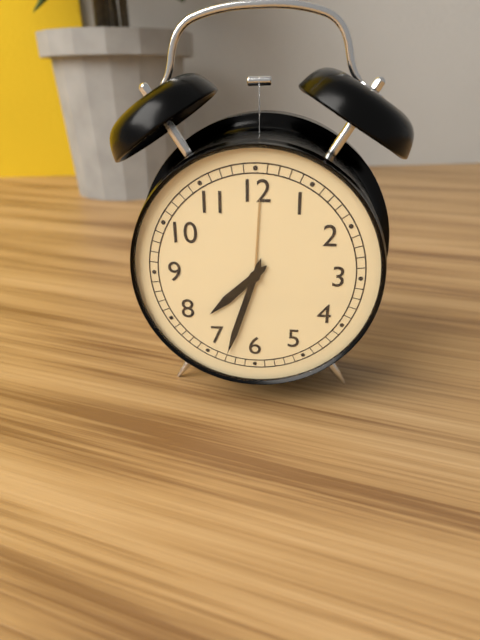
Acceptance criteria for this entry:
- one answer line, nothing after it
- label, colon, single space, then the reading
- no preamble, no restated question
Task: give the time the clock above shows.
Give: 7:33
